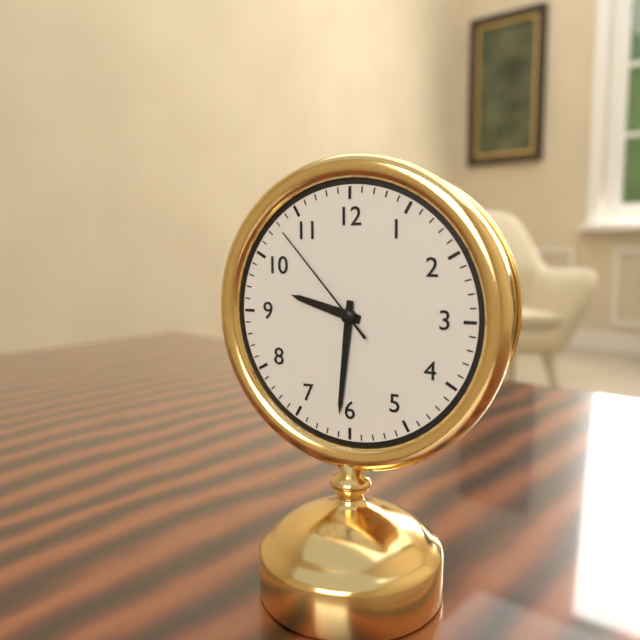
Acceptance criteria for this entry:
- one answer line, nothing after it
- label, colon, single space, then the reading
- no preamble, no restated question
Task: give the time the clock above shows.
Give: 9:31:53
